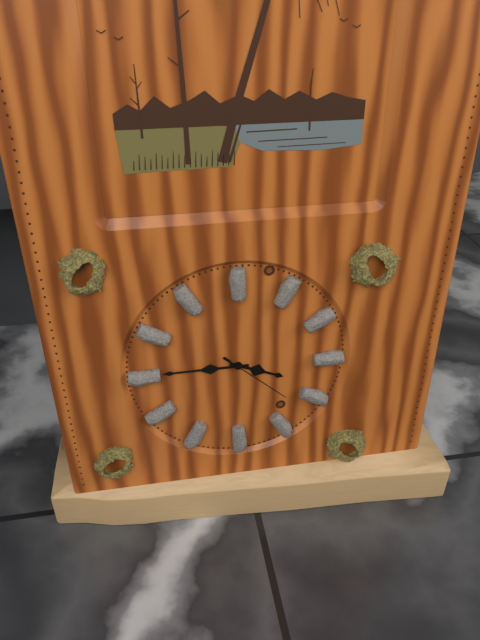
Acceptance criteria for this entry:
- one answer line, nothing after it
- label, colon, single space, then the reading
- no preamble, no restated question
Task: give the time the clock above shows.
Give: 3:45:22
